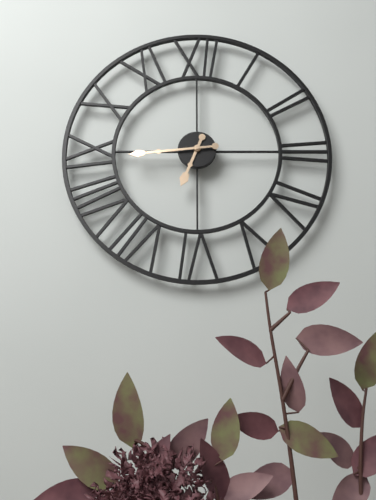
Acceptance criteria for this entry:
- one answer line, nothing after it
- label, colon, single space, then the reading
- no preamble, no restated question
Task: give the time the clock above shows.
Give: 6:44
